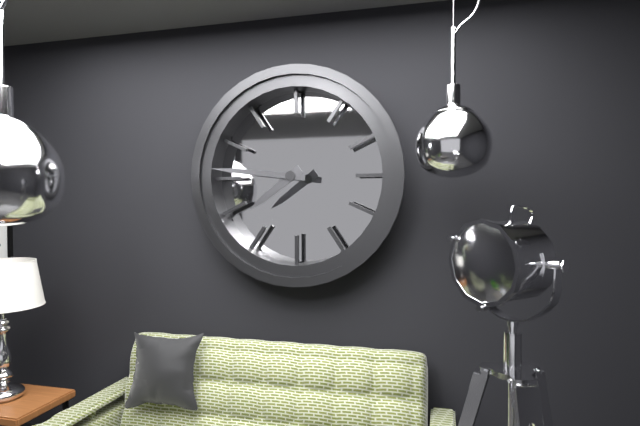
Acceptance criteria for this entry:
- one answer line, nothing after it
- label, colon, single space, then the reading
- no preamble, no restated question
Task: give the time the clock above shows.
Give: 7:46
